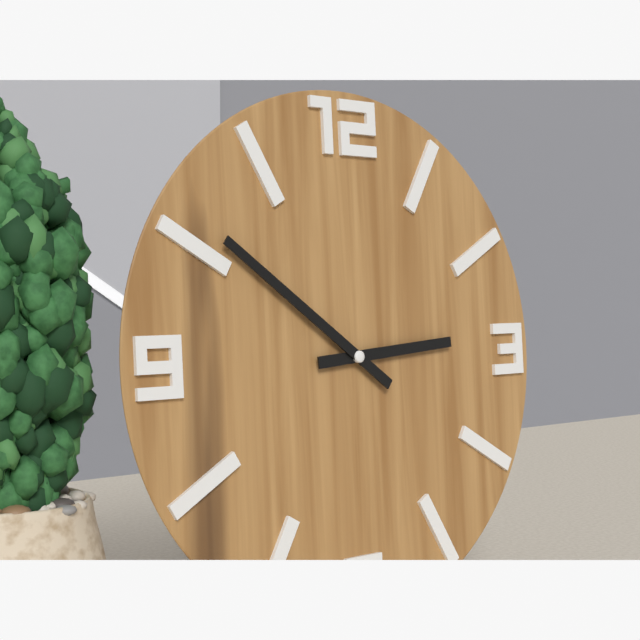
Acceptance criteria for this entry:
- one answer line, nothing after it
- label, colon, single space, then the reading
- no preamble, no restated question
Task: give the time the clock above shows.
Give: 2:51
